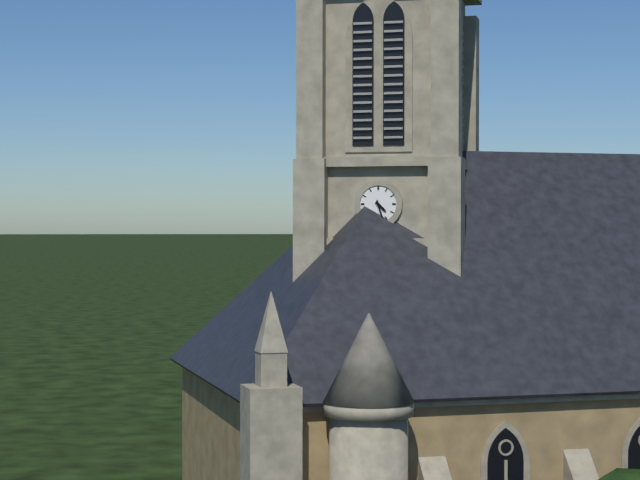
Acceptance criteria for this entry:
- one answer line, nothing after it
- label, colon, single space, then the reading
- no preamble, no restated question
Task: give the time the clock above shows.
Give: 4:27
